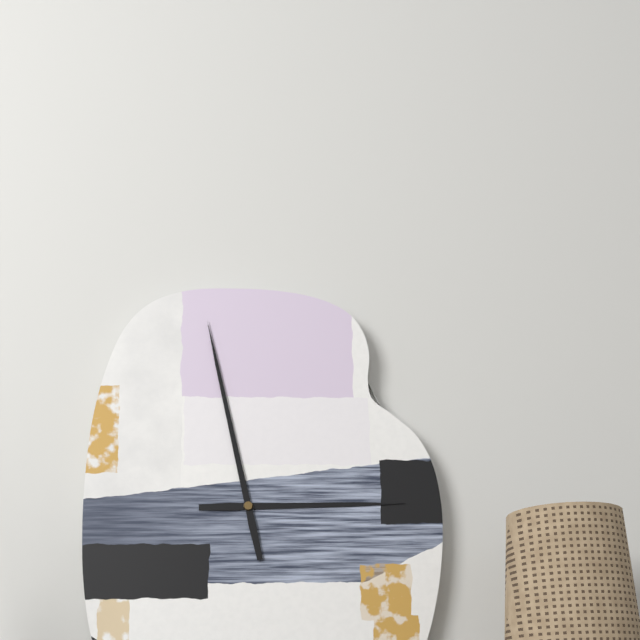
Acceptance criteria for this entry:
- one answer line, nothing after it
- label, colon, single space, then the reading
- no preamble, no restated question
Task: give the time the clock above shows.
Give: 2:58
